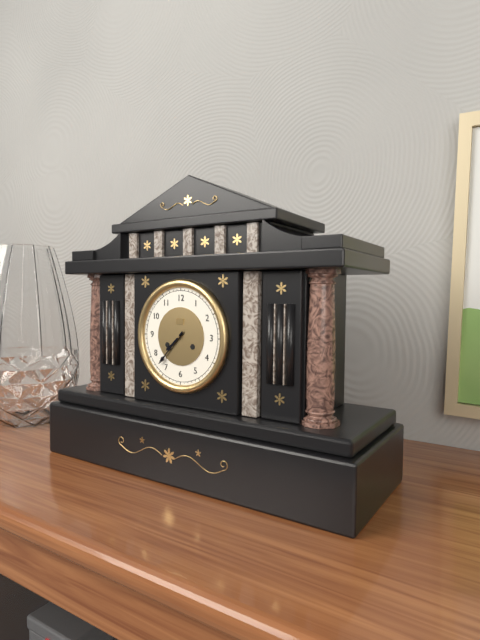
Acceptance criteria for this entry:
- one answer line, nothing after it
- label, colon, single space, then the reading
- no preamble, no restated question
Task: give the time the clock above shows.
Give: 7:37
